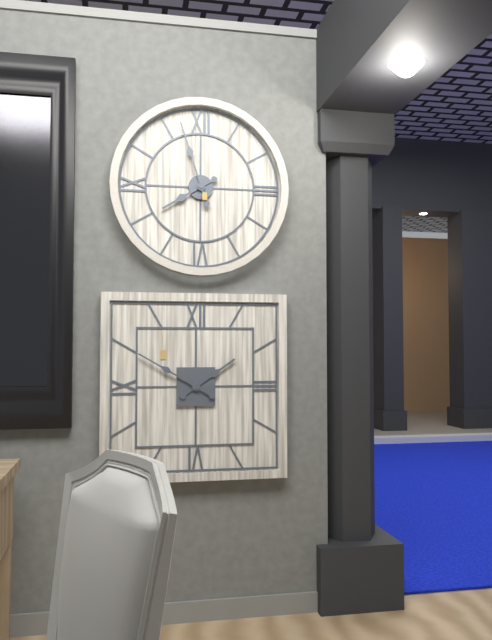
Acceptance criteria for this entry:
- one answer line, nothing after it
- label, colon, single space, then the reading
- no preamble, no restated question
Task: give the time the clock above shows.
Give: 7:57
